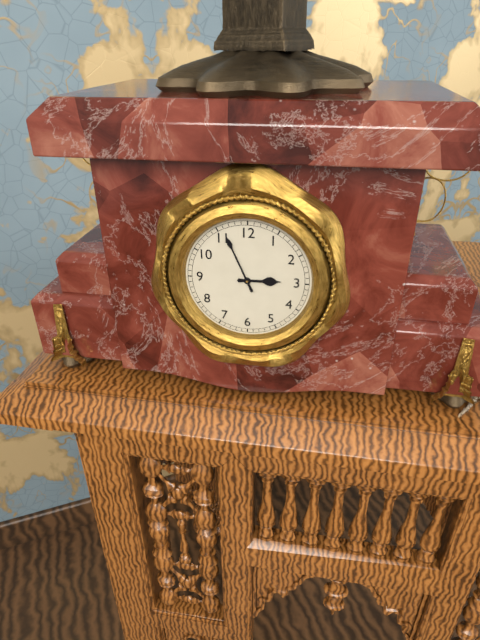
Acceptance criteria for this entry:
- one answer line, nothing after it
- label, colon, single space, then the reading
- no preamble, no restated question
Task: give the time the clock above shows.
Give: 2:56
